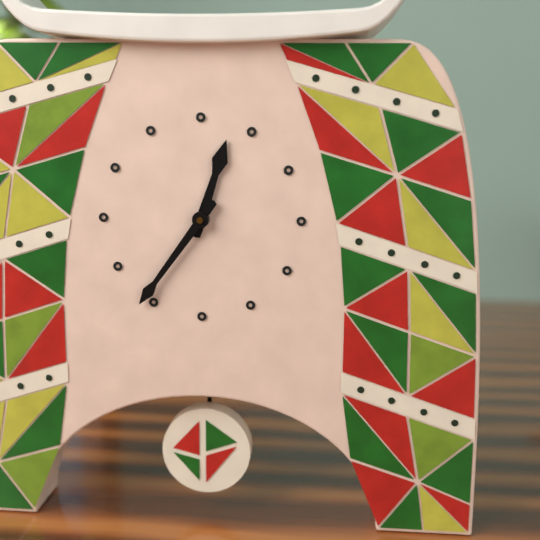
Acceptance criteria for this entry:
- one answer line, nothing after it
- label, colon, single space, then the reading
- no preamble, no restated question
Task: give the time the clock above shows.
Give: 12:36
